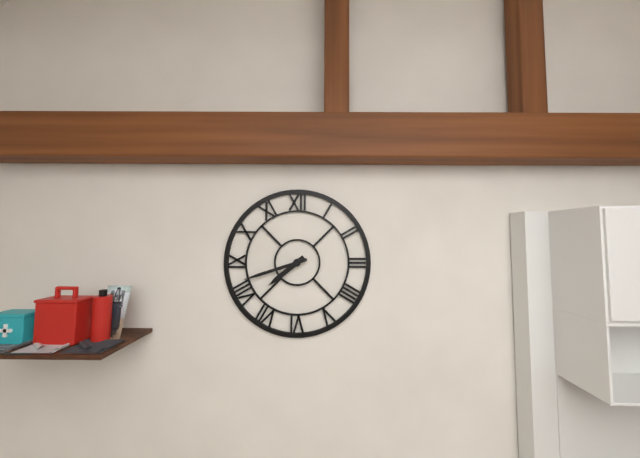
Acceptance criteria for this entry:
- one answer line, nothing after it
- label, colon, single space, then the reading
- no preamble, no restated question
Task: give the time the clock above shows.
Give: 7:42
